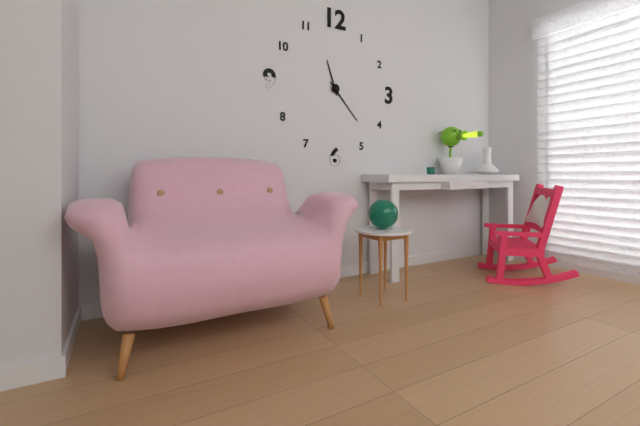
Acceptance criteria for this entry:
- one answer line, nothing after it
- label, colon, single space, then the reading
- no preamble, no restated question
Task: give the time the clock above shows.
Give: 11:23
